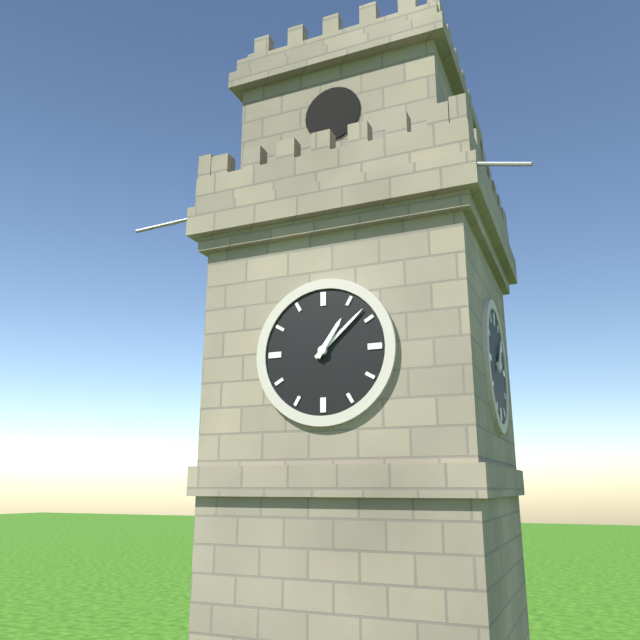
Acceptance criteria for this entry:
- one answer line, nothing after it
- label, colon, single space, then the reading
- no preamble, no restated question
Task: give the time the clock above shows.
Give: 1:08
